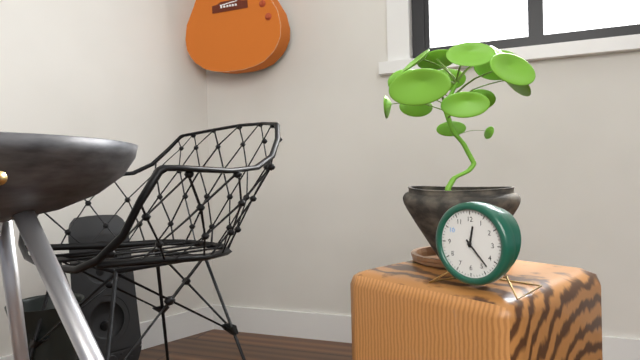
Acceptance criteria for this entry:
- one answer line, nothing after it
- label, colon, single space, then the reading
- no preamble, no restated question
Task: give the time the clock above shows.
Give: 12:23
